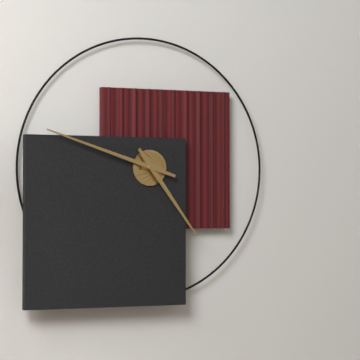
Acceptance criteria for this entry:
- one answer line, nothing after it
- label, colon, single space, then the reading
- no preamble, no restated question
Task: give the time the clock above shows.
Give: 4:48
